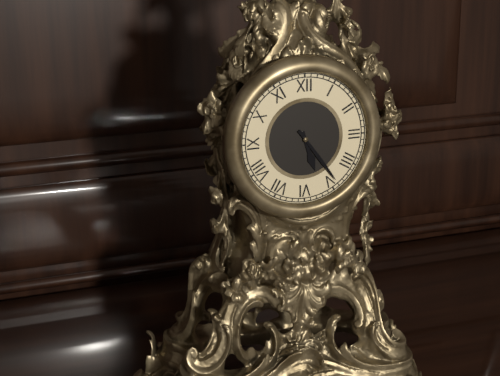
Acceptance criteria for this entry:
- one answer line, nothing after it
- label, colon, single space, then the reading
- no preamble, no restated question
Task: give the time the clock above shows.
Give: 5:24
